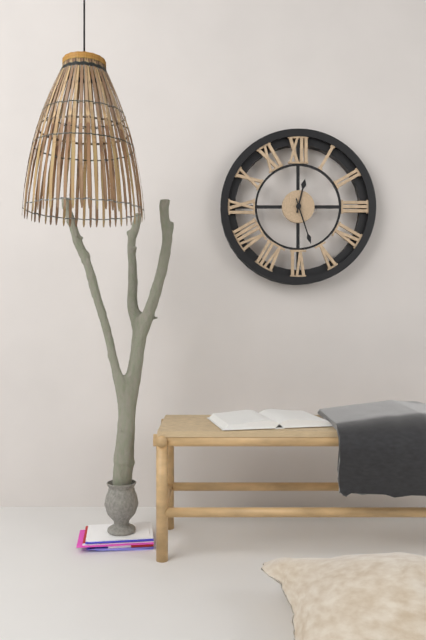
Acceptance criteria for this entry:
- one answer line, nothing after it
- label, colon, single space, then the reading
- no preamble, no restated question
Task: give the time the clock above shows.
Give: 12:27
